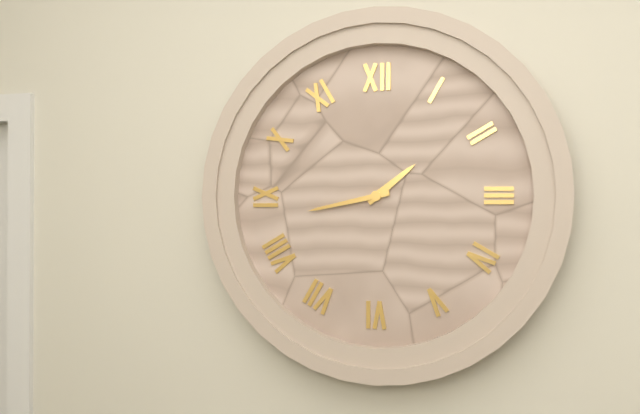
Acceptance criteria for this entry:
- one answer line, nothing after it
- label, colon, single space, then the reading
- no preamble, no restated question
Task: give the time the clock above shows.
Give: 1:43
